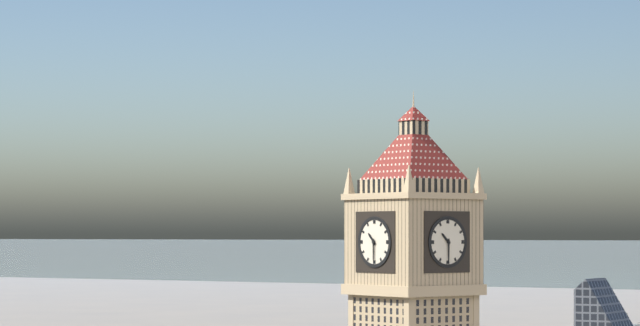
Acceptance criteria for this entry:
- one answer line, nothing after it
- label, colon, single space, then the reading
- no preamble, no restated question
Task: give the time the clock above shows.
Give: 10:30
